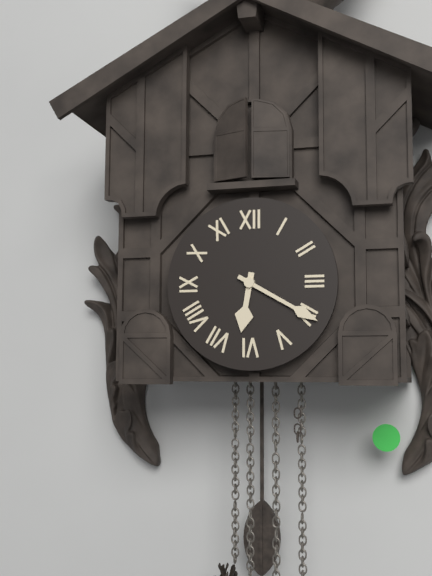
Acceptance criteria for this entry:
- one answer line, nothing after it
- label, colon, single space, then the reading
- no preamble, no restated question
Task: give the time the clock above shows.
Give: 6:20
